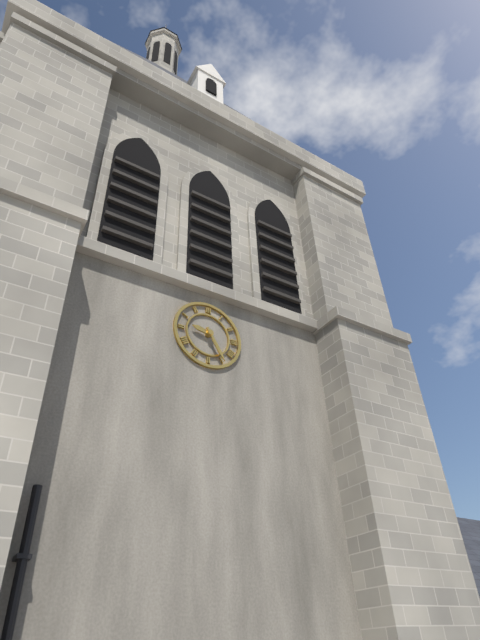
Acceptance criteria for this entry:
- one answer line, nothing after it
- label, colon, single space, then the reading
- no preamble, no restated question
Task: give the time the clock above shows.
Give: 9:25
